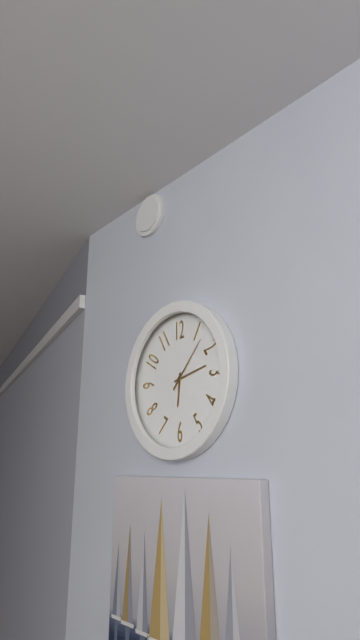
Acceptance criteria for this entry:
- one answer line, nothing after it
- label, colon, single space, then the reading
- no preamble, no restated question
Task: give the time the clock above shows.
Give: 6:13:07
